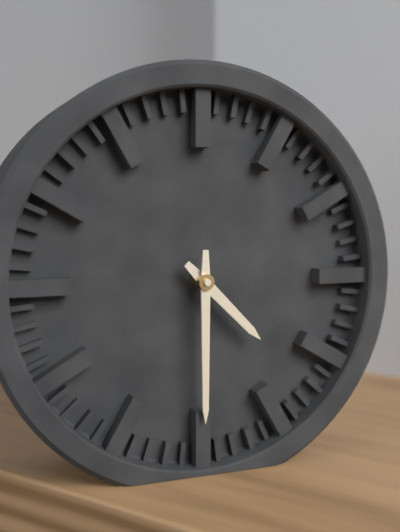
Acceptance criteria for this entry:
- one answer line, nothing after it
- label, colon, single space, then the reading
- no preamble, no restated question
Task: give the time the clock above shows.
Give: 4:30
